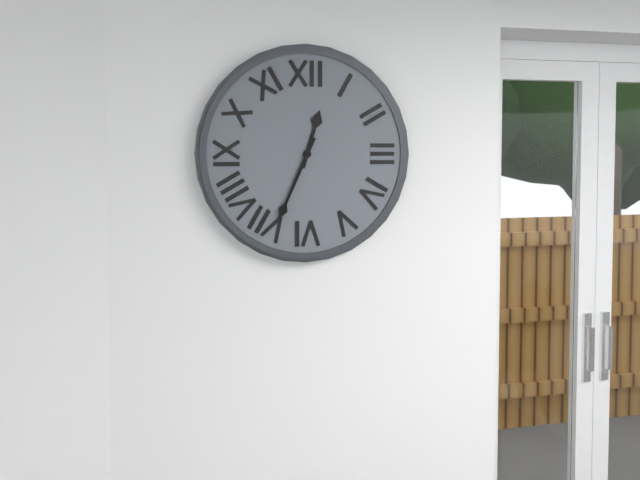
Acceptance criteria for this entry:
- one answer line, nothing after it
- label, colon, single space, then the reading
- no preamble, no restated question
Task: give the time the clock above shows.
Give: 12:34
